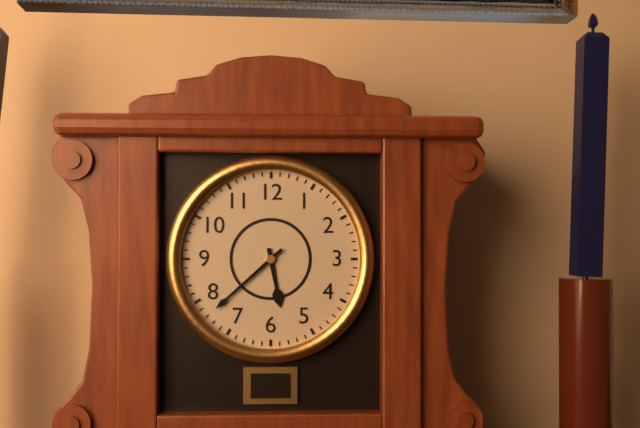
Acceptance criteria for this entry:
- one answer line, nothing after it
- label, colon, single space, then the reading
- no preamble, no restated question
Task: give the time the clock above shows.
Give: 5:38
